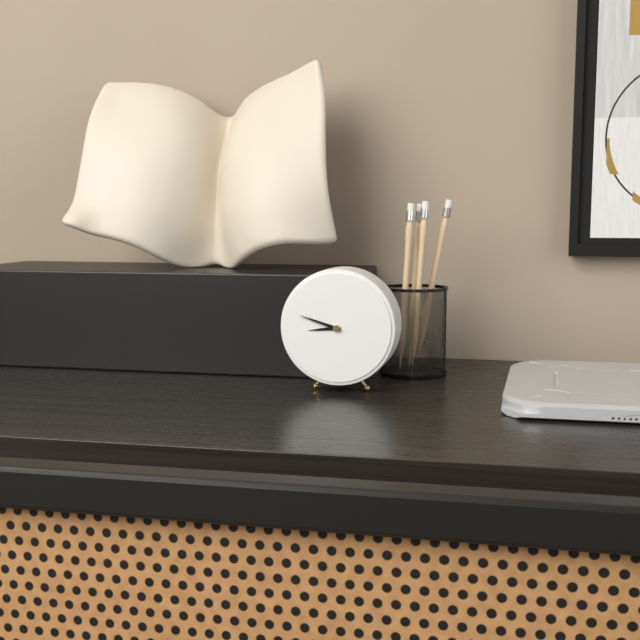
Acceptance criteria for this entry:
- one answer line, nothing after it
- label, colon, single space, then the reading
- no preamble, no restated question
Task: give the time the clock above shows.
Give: 8:48
